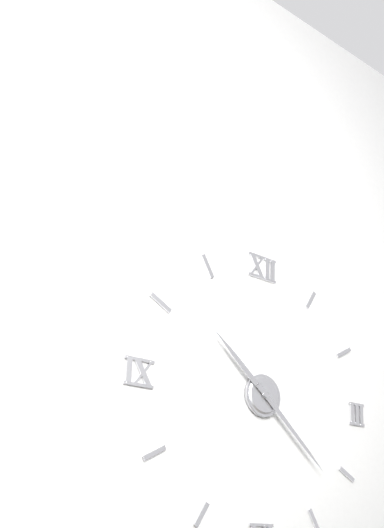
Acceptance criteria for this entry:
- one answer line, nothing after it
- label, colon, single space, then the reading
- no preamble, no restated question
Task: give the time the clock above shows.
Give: 10:22
